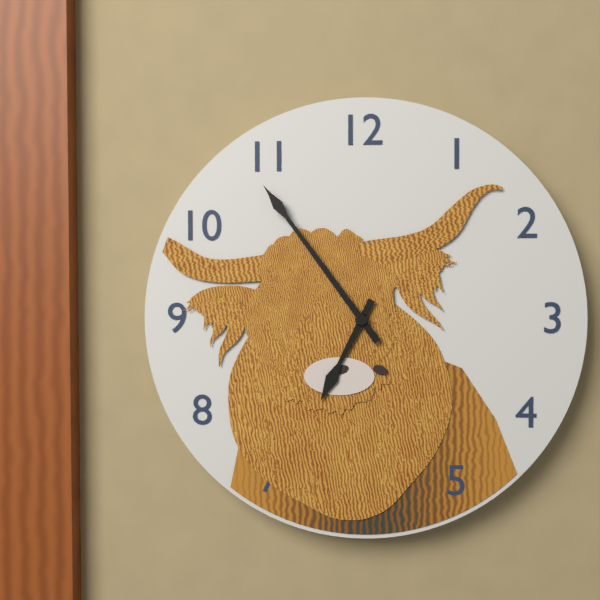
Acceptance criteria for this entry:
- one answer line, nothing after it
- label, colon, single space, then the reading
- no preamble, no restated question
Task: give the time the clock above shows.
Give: 6:54
